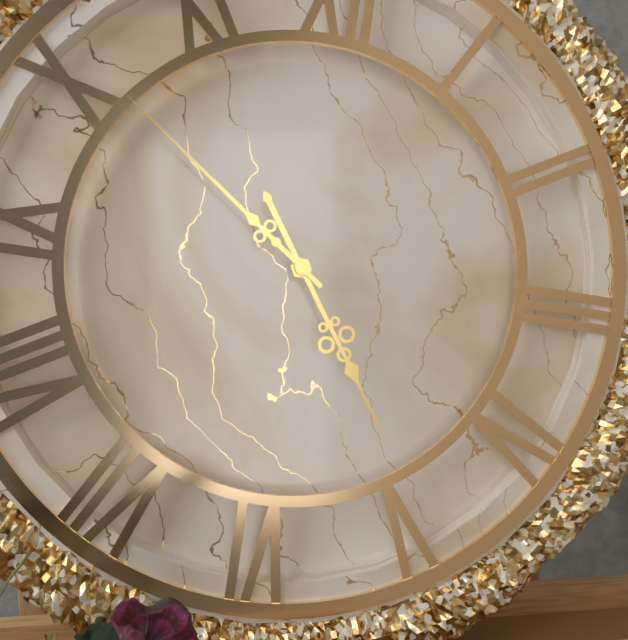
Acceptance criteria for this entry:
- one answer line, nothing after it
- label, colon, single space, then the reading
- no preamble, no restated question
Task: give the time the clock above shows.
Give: 4:51
